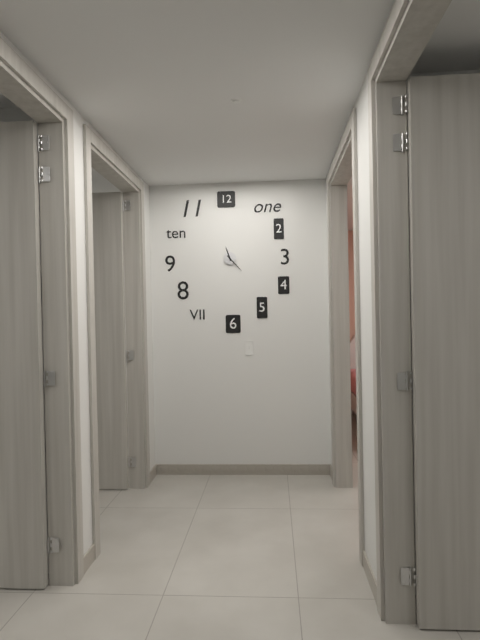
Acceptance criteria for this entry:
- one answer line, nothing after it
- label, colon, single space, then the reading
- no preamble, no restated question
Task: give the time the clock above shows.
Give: 11:23
